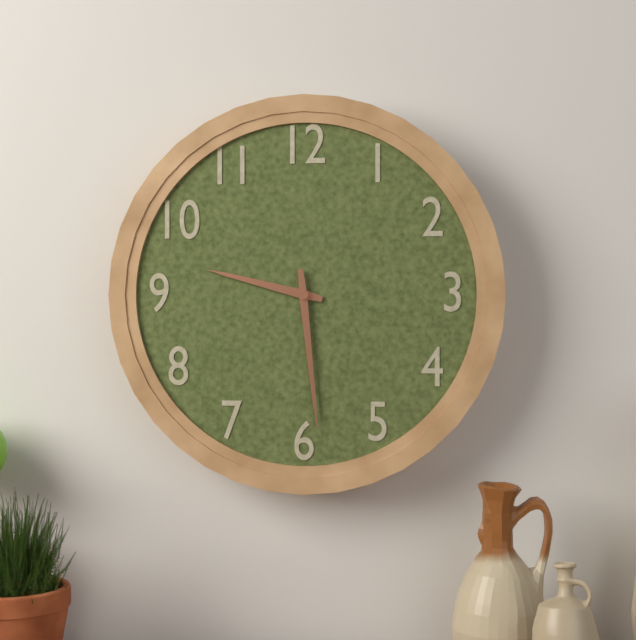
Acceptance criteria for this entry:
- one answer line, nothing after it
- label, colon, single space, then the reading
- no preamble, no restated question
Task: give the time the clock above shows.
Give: 9:29
